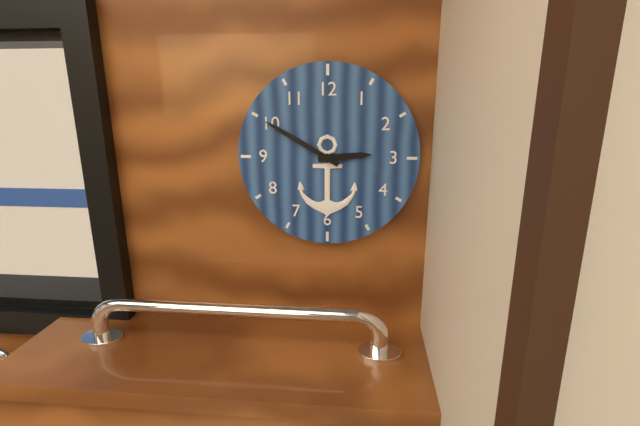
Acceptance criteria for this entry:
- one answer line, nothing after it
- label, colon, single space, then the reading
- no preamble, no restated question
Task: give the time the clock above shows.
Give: 2:50
